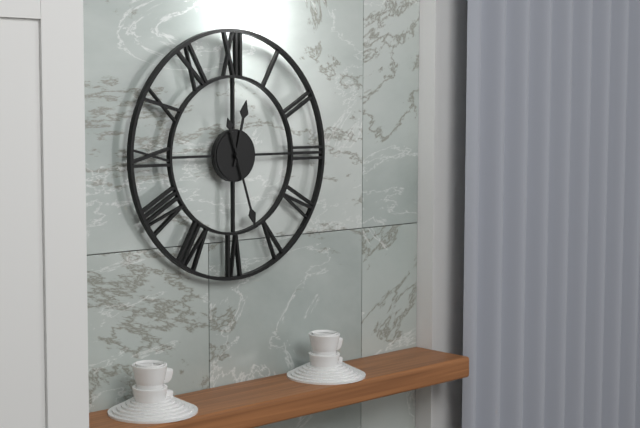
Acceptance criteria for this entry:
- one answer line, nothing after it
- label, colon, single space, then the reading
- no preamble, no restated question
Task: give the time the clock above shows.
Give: 12:27
